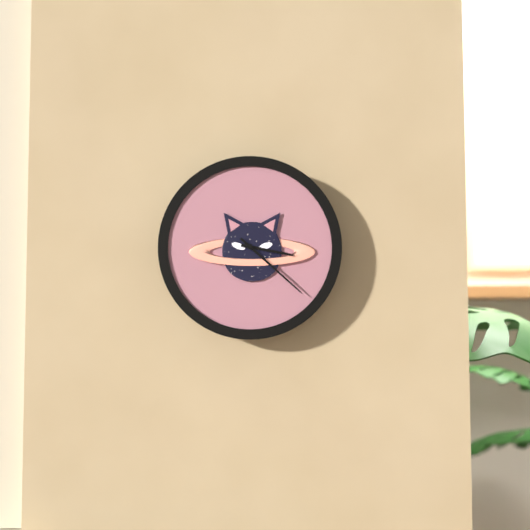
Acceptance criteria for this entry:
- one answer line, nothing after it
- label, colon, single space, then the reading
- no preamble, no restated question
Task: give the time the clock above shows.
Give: 3:22
